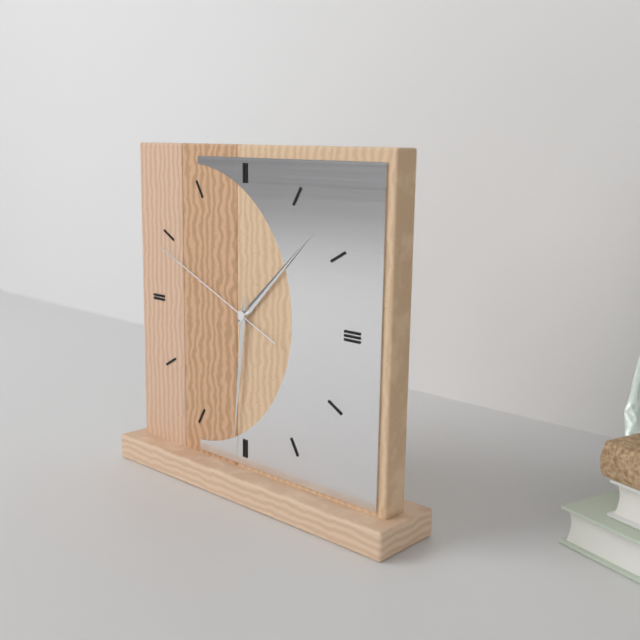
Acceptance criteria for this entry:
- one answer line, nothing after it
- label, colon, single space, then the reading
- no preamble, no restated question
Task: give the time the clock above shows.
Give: 1:31:49
